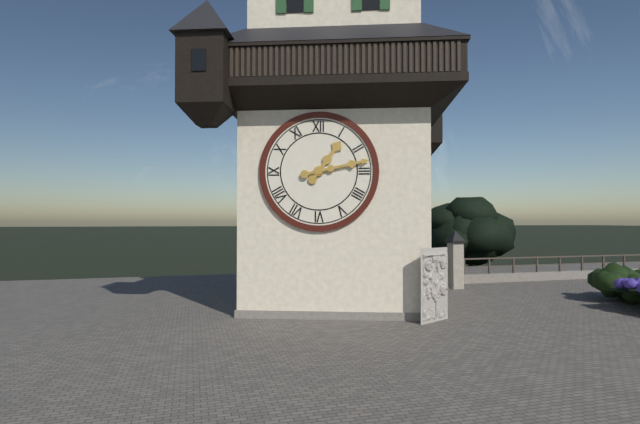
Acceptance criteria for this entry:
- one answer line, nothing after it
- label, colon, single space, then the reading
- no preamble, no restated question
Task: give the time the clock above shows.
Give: 1:13
